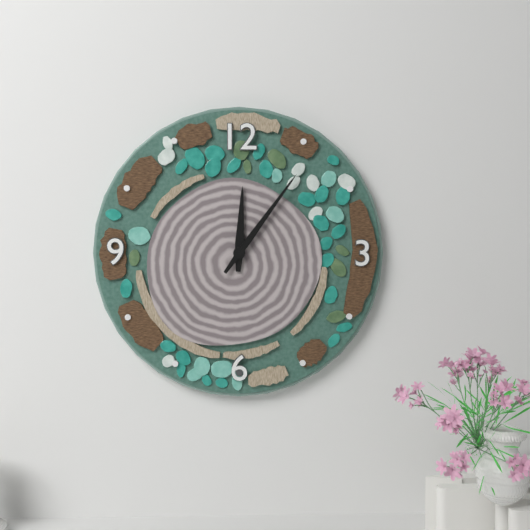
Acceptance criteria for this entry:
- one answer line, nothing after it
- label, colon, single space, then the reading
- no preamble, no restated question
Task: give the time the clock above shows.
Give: 12:06
